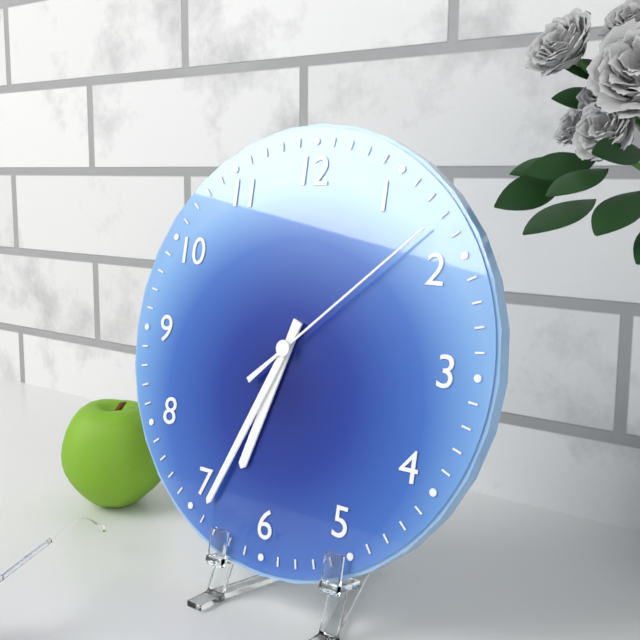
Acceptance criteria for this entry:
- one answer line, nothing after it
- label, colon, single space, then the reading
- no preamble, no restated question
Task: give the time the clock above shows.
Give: 6:34:08
